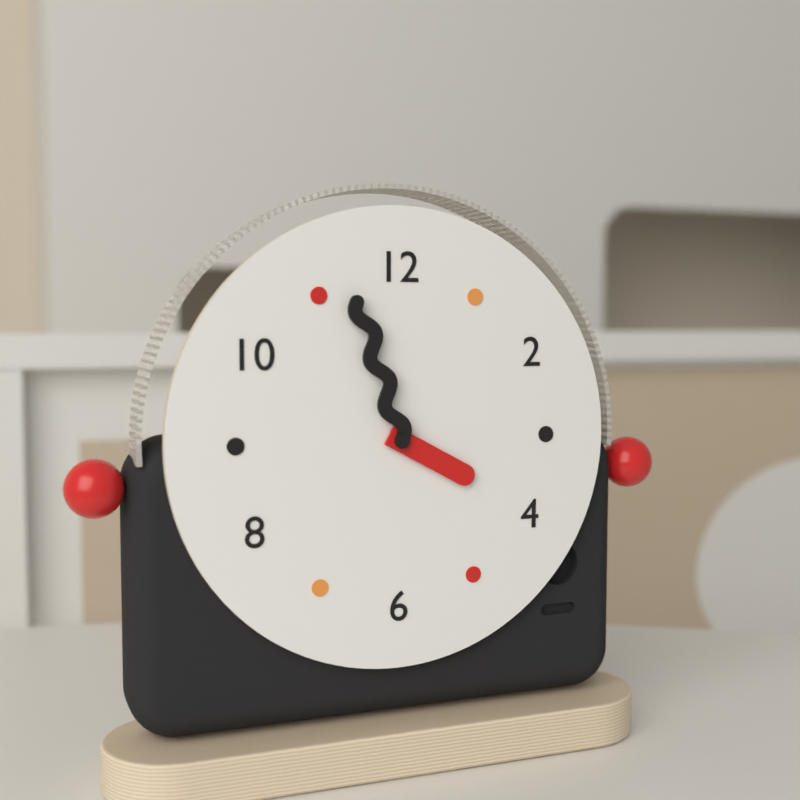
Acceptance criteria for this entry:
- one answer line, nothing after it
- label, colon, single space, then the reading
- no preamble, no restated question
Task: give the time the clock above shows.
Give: 3:57
